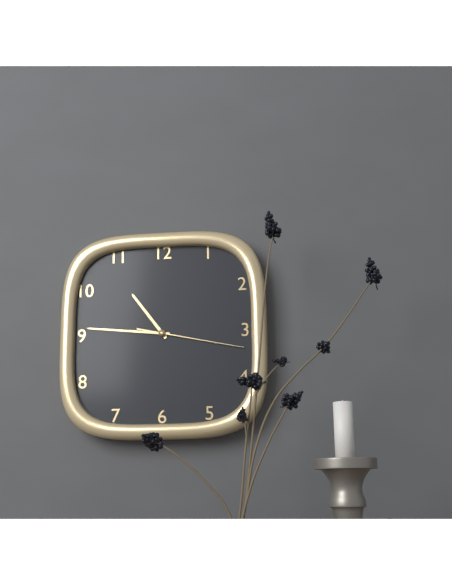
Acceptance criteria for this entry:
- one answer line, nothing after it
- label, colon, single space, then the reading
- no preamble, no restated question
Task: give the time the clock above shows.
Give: 10:46:17
